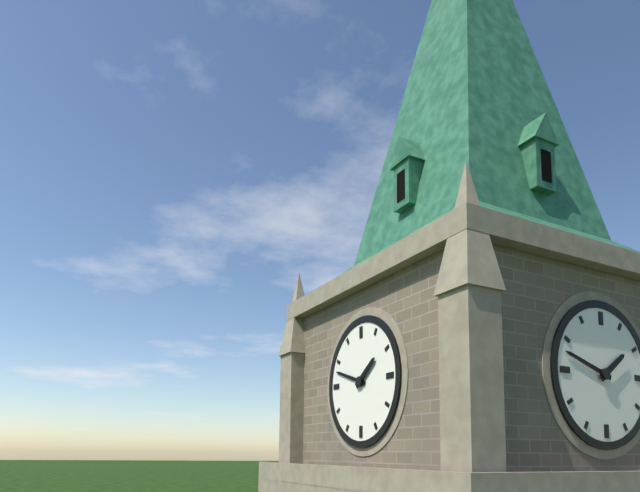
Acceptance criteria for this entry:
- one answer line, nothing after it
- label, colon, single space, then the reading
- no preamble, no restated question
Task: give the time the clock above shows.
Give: 1:48
